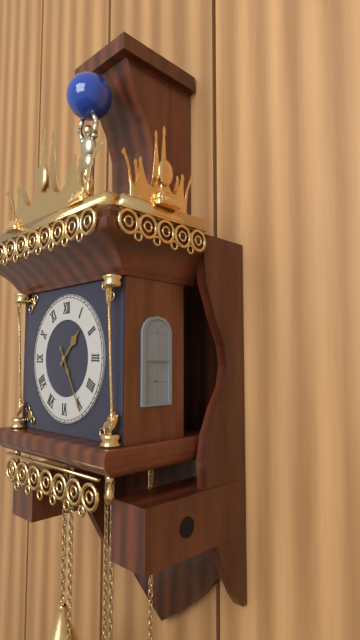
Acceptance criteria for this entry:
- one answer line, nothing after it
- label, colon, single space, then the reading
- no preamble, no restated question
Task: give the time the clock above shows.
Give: 1:25
